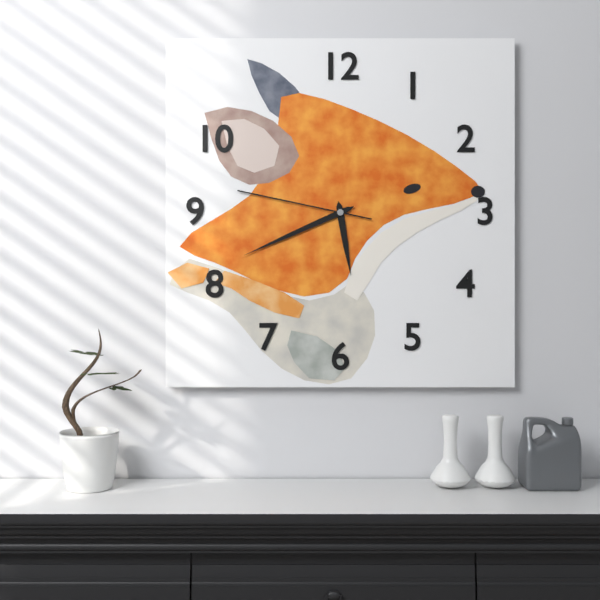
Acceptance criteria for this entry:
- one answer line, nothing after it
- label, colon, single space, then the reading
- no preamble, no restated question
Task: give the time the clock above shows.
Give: 5:41:47
